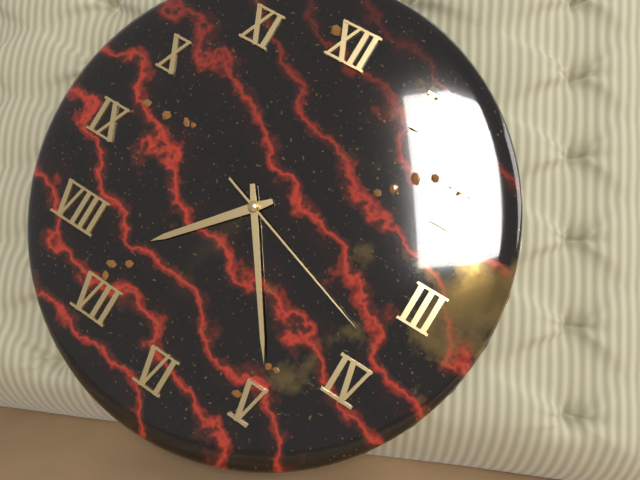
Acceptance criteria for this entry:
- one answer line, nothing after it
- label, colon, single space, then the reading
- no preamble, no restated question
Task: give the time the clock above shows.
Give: 7:24:18
